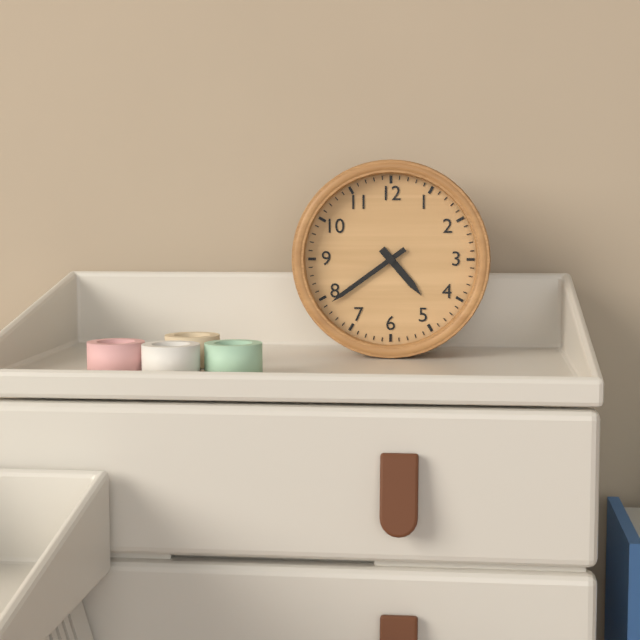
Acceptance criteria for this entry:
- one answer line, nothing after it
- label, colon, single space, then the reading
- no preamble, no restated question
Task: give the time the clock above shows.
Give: 4:39
